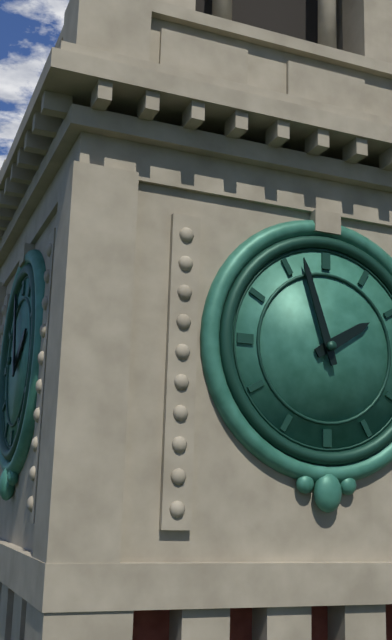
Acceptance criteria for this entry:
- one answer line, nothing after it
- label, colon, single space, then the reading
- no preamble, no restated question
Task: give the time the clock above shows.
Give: 1:57
